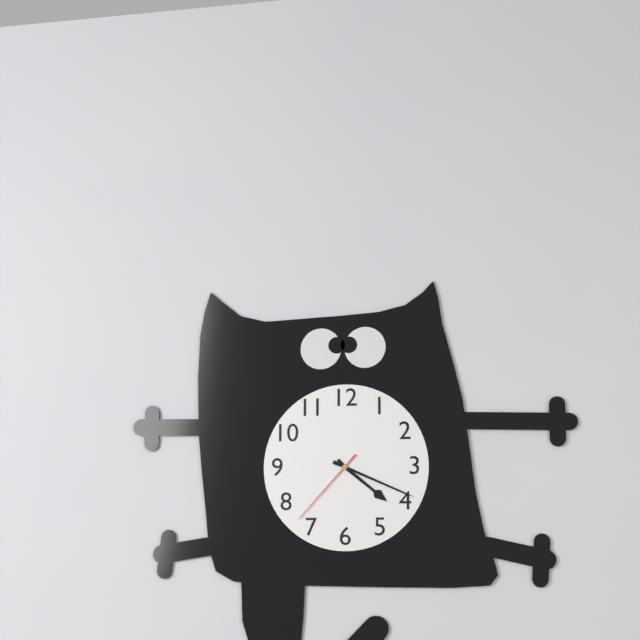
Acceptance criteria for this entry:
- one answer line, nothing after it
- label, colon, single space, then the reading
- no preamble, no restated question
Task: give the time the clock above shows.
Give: 4:19:37
